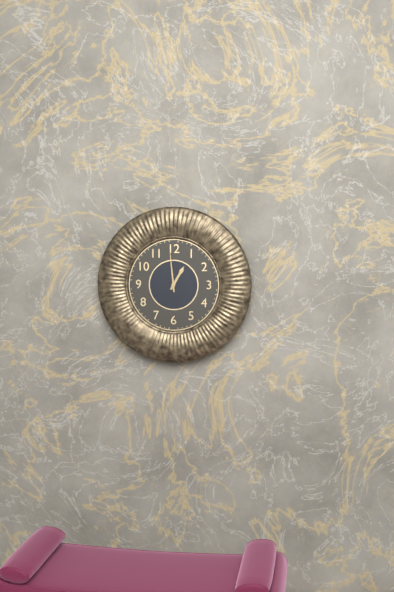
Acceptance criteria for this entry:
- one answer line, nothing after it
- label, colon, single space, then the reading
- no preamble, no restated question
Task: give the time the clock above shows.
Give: 12:59
